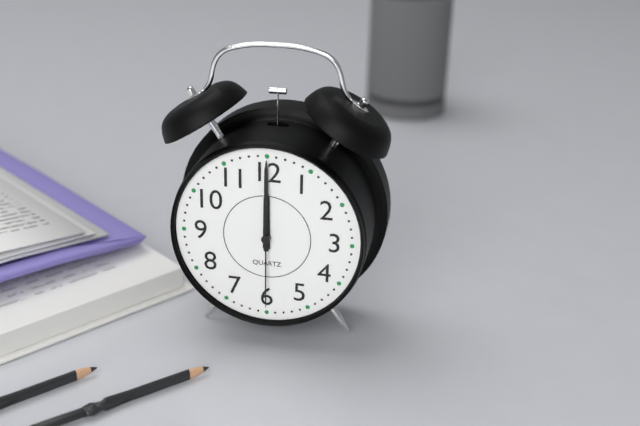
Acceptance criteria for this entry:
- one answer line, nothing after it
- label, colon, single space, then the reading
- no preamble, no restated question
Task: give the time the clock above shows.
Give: 12:00:30
